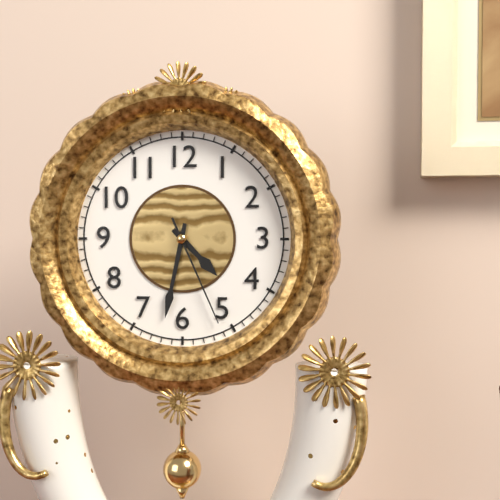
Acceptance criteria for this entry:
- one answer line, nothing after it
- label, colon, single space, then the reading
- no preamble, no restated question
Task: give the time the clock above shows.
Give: 4:32:26
